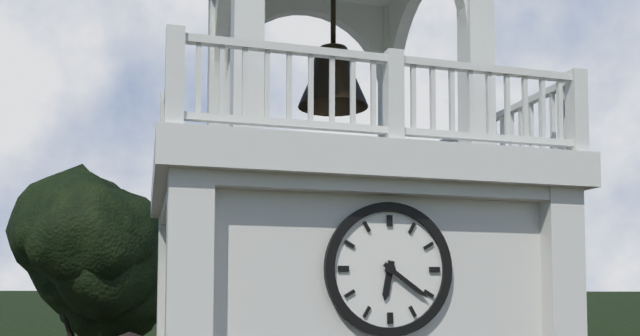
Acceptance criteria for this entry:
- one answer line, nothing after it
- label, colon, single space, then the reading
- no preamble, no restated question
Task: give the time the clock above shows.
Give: 6:21
